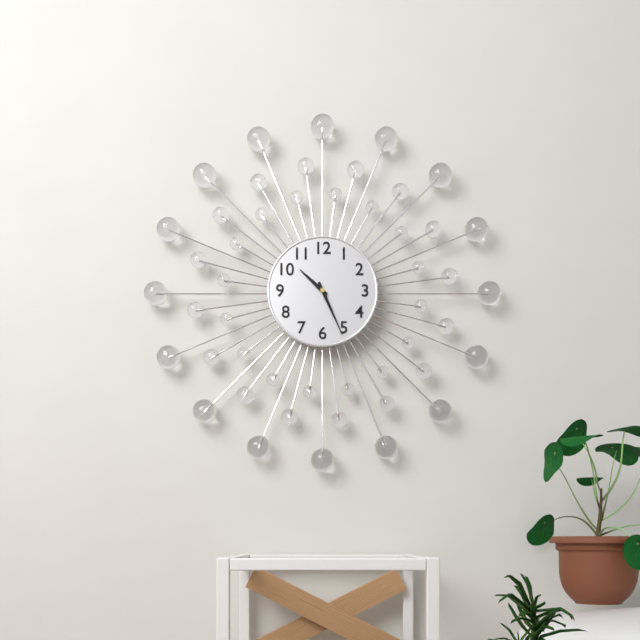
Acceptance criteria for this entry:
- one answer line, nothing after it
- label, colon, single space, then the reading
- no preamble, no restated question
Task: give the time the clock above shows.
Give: 10:26
